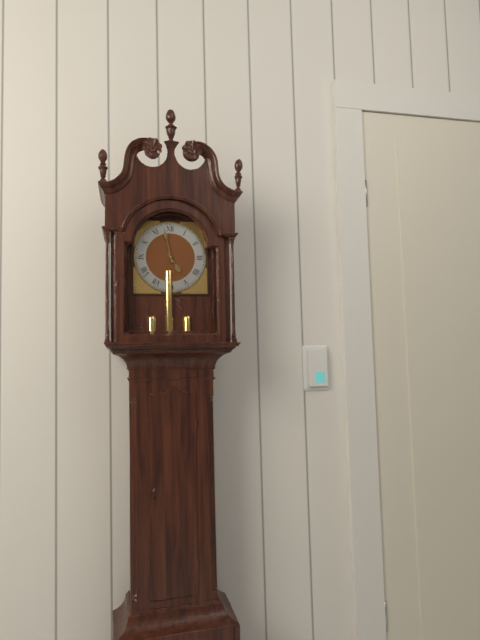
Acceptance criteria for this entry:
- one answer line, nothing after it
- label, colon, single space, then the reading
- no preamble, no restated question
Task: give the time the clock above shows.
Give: 4:58
